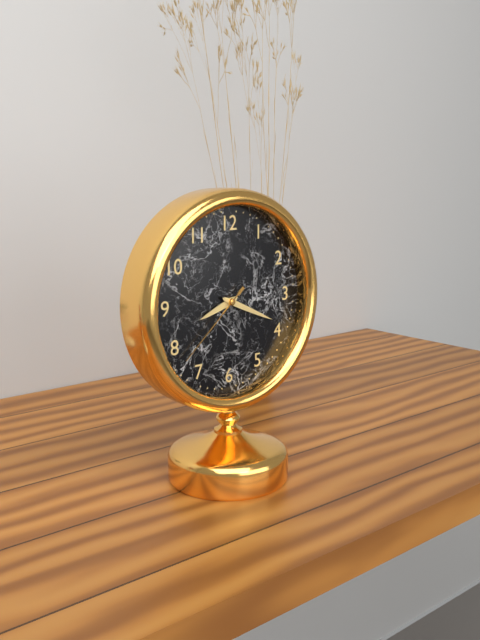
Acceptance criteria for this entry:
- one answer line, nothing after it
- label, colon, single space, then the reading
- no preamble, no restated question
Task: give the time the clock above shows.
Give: 8:19:38
